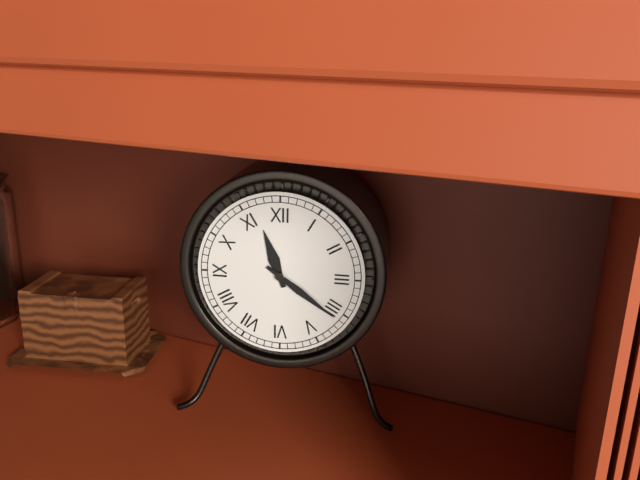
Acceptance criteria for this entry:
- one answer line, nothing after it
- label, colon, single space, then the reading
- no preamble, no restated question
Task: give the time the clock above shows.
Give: 11:21
